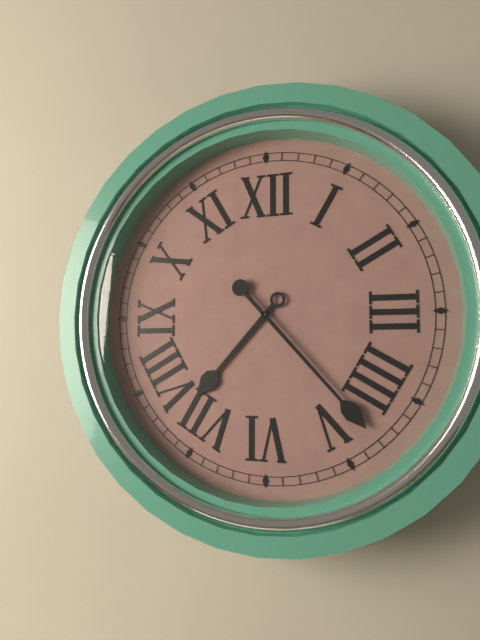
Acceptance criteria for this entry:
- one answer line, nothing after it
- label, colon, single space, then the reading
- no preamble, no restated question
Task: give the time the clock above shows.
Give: 7:23
